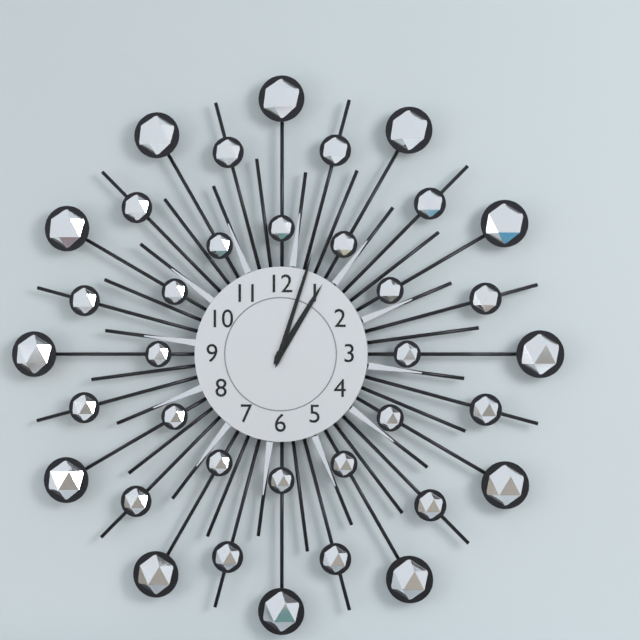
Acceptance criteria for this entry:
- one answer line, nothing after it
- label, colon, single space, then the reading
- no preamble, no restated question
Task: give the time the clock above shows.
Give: 1:03
